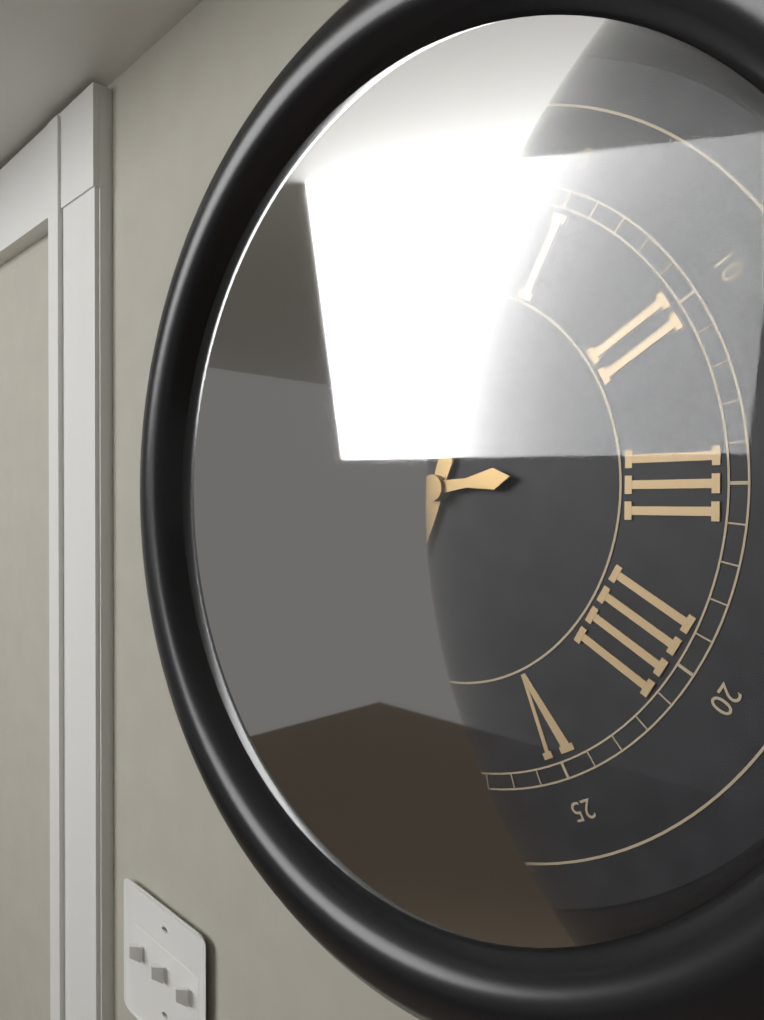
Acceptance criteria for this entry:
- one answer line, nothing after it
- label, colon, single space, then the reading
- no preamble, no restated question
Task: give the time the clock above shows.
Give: 6:44
